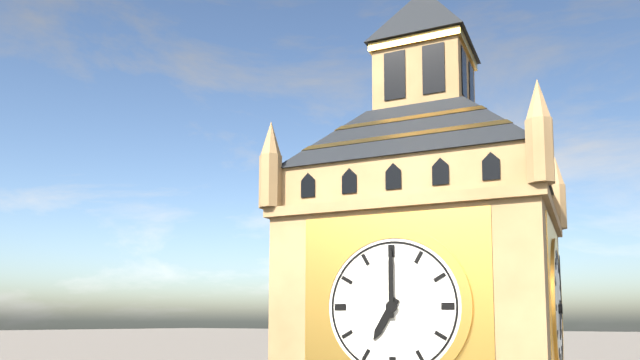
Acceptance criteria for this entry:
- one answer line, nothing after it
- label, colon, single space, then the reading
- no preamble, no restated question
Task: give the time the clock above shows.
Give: 7:00
